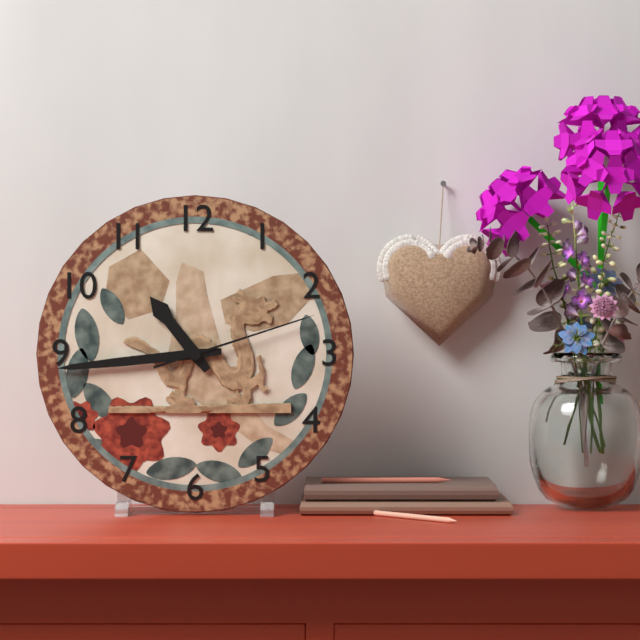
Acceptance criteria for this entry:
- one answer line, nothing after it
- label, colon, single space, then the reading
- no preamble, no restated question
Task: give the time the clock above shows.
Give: 10:44:12
